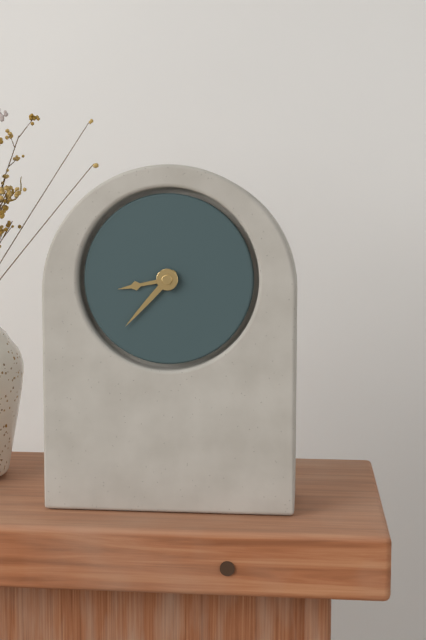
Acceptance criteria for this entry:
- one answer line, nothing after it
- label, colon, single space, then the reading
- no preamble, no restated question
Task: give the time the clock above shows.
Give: 8:37
